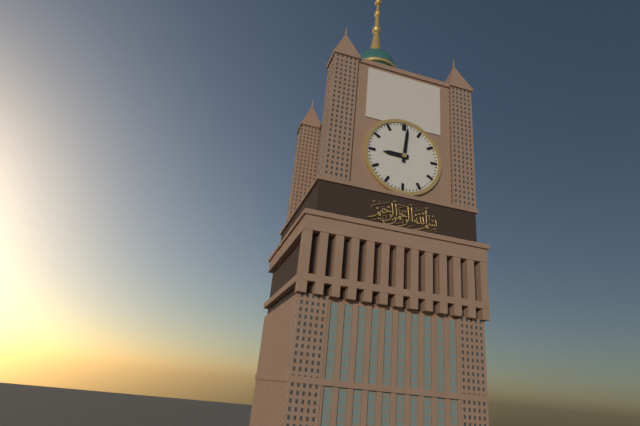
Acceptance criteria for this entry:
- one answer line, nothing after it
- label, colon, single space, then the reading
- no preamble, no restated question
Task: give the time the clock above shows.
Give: 9:01
